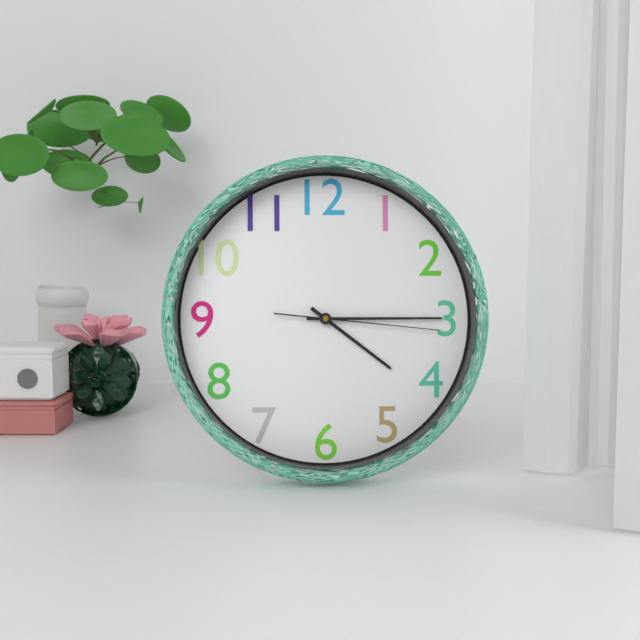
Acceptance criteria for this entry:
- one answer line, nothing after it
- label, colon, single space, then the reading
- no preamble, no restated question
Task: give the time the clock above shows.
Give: 4:15:16
